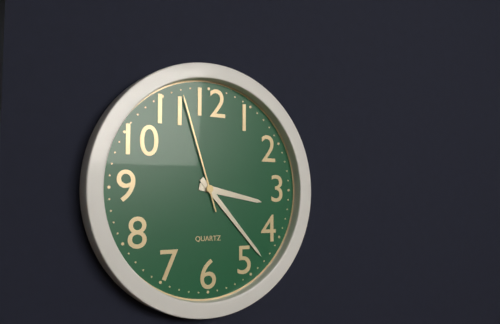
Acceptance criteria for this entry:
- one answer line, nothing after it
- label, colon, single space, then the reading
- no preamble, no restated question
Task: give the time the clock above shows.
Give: 3:23:57
